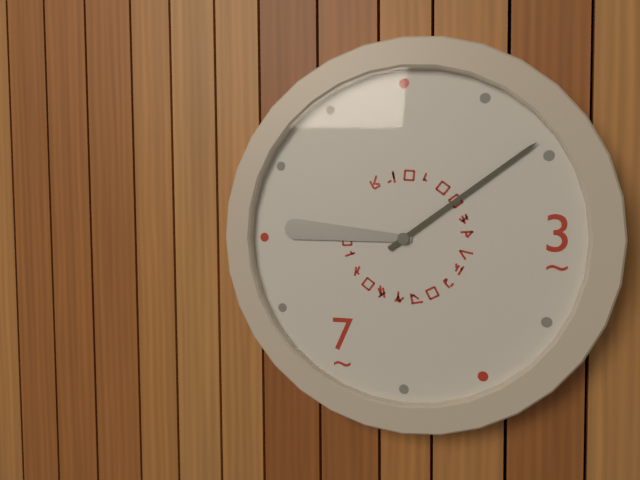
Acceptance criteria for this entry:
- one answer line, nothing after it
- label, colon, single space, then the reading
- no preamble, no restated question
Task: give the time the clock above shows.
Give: 9:09
